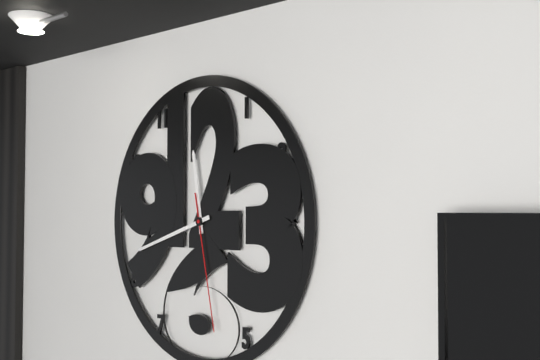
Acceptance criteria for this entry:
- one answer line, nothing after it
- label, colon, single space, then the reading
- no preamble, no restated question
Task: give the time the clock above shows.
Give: 11:42:28
